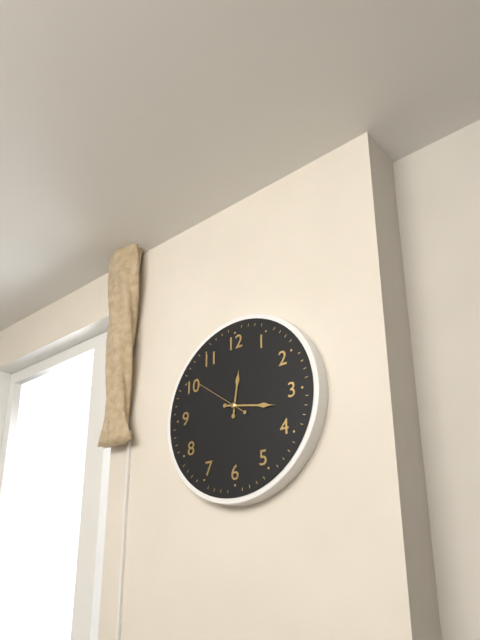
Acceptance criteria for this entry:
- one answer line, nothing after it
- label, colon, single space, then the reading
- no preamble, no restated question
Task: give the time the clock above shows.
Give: 12:17:51
